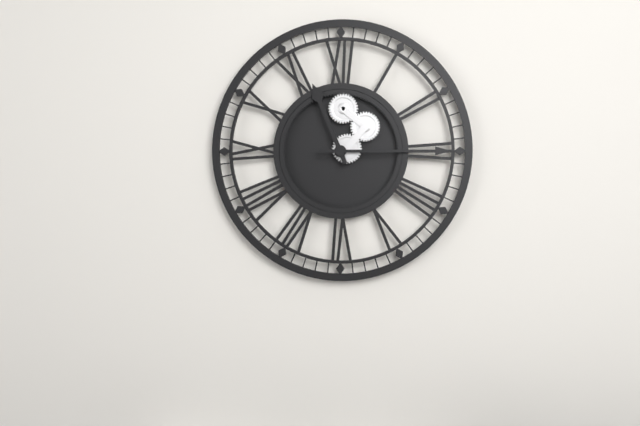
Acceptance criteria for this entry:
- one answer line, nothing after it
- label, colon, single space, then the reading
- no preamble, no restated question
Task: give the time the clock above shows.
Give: 11:15
